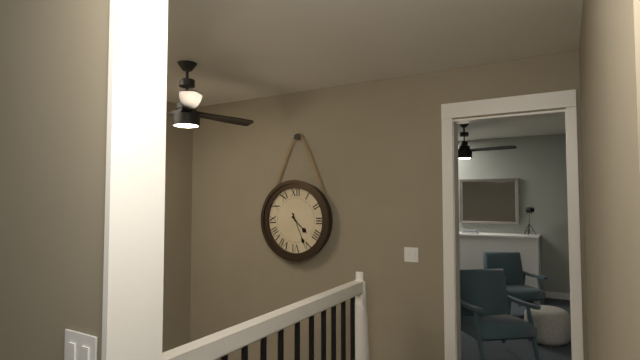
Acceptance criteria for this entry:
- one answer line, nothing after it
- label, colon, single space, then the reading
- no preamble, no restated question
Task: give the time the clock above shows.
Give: 4:26
